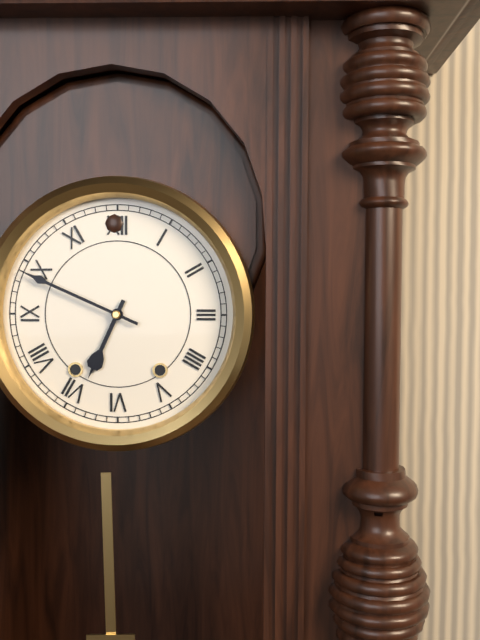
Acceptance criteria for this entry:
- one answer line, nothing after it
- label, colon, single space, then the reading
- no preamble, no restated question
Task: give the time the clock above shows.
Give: 6:49
